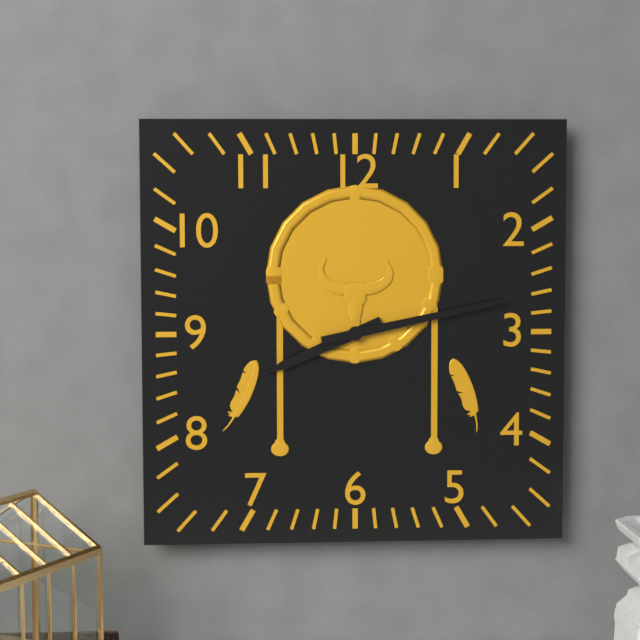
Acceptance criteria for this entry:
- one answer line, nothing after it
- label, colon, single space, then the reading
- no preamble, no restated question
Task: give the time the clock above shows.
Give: 8:13
